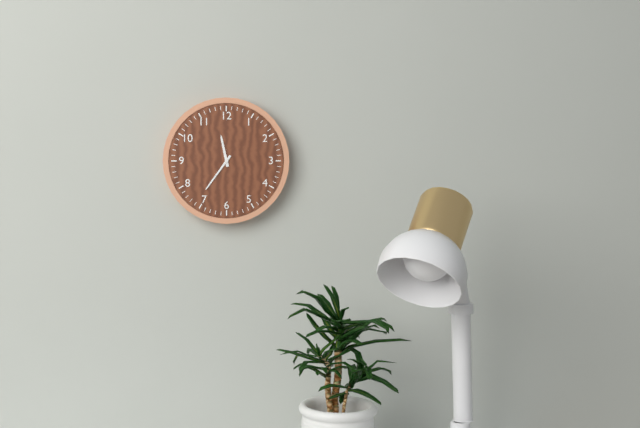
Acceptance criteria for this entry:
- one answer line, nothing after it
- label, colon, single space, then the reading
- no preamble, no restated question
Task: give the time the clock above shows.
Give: 11:36
